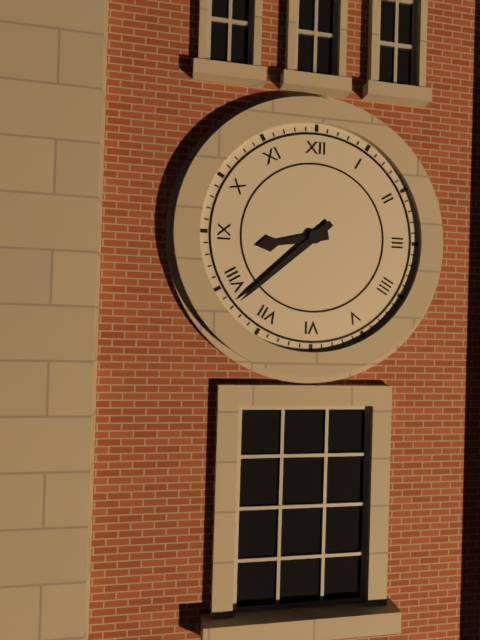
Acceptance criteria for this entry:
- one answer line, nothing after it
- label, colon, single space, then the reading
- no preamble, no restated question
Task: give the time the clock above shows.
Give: 8:38
